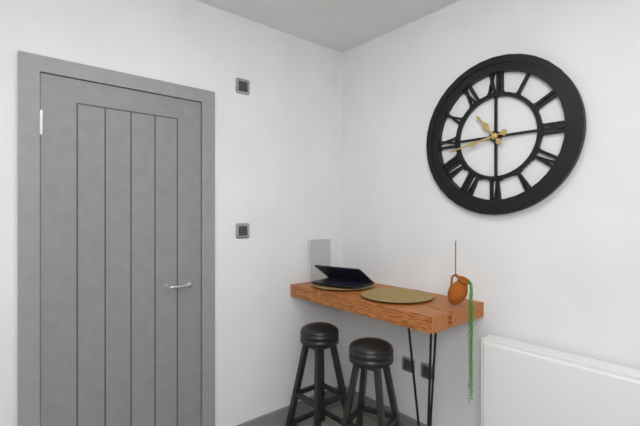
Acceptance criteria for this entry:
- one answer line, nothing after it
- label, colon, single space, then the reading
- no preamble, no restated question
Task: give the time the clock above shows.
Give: 10:43
